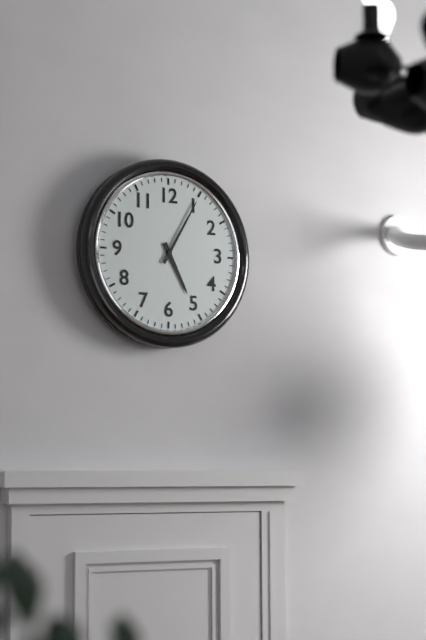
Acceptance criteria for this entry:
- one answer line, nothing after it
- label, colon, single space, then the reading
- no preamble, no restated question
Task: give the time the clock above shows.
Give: 5:05
